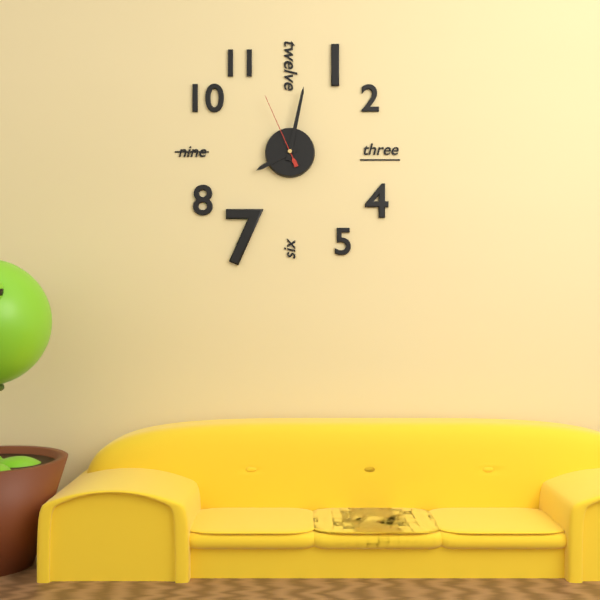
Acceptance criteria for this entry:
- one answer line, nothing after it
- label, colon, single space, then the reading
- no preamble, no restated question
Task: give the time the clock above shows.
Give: 8:02:56
